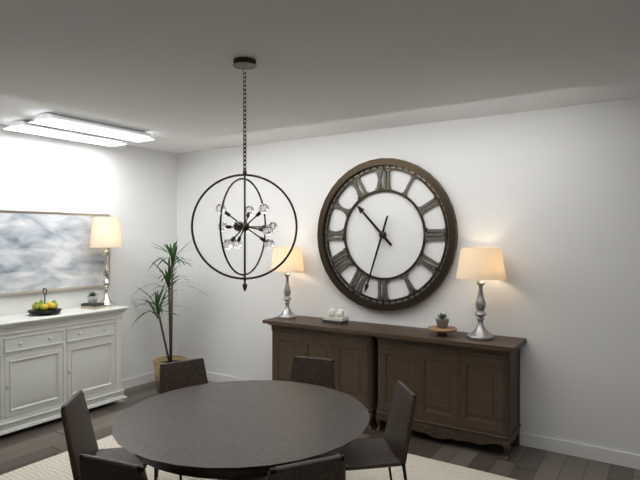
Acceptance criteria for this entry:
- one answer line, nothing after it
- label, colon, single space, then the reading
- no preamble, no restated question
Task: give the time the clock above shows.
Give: 10:33
